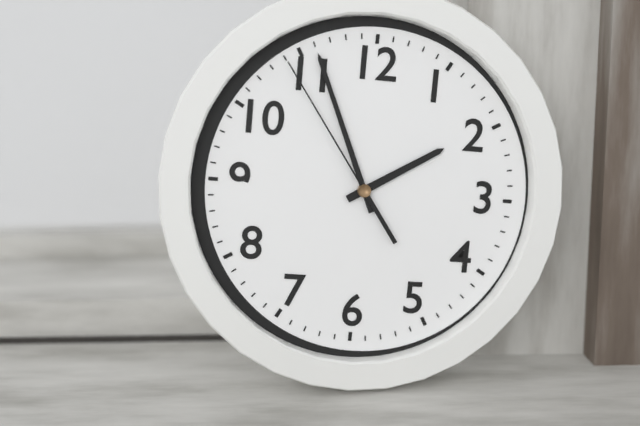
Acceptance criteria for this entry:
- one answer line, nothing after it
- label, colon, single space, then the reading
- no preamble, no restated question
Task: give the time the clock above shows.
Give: 1:56:54
